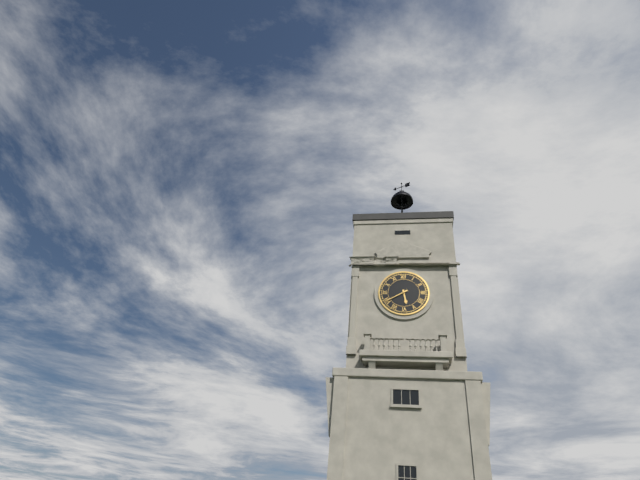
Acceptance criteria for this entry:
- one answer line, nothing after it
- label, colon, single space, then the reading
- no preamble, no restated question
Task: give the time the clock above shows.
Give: 5:40
